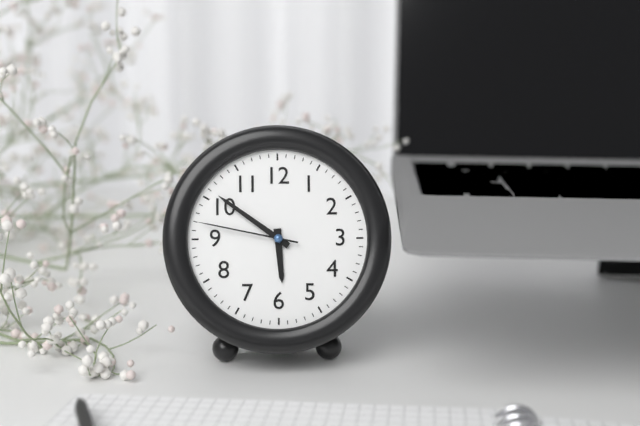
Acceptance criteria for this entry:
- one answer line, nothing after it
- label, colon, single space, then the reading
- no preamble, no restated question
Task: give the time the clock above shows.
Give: 5:51:47
